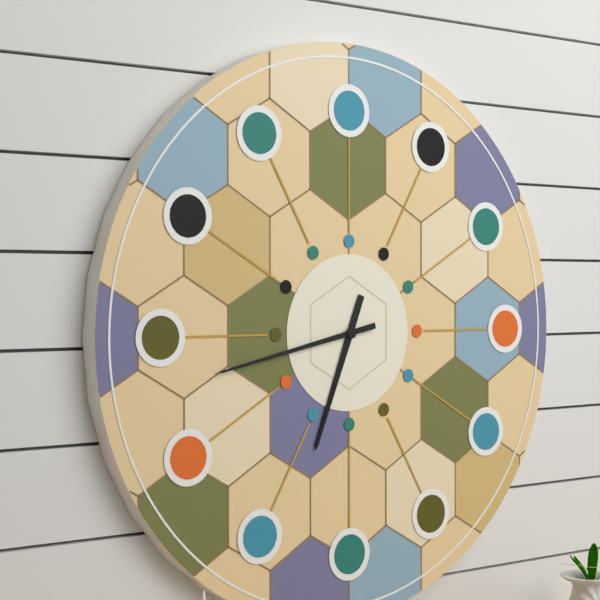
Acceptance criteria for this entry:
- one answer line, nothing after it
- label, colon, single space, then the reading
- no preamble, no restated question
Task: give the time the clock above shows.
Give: 6:43
